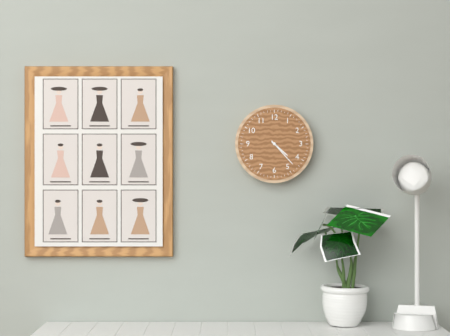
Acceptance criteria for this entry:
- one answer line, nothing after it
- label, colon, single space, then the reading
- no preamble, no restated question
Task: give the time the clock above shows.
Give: 4:23
